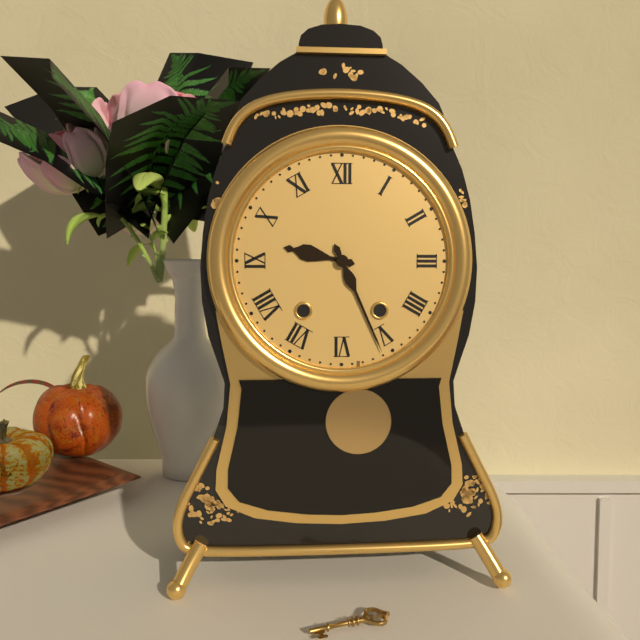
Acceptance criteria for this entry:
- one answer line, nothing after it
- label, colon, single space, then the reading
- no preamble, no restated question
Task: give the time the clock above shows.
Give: 9:26
